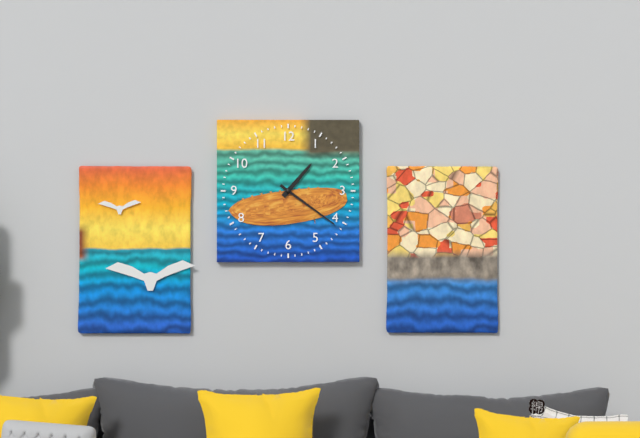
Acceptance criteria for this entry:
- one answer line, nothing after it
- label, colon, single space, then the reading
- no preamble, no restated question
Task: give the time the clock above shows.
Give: 1:21
